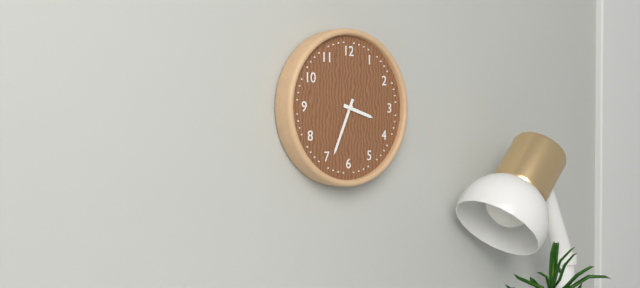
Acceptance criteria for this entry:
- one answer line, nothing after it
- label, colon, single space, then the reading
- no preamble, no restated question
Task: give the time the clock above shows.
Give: 3:34
